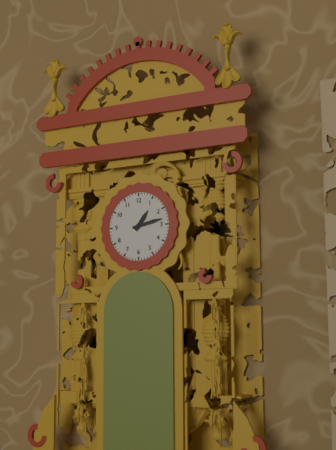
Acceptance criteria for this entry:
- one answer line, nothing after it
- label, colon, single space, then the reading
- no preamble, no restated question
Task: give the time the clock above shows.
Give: 1:13
